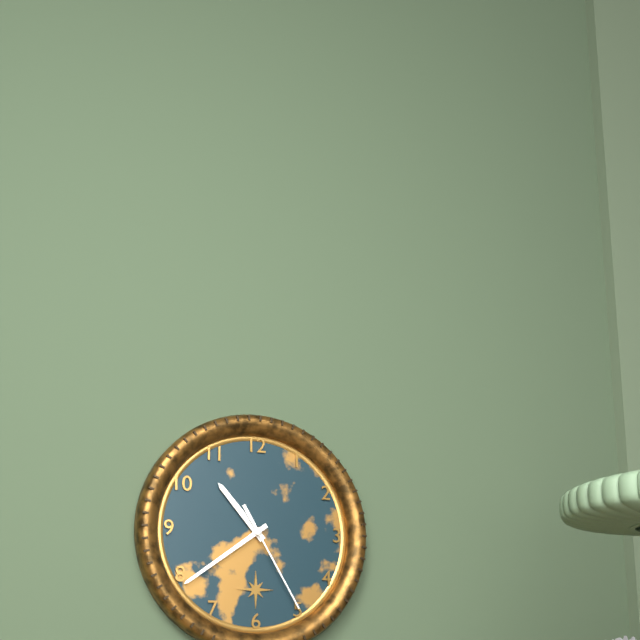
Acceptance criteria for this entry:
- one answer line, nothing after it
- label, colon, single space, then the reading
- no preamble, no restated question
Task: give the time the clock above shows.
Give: 10:39:25
